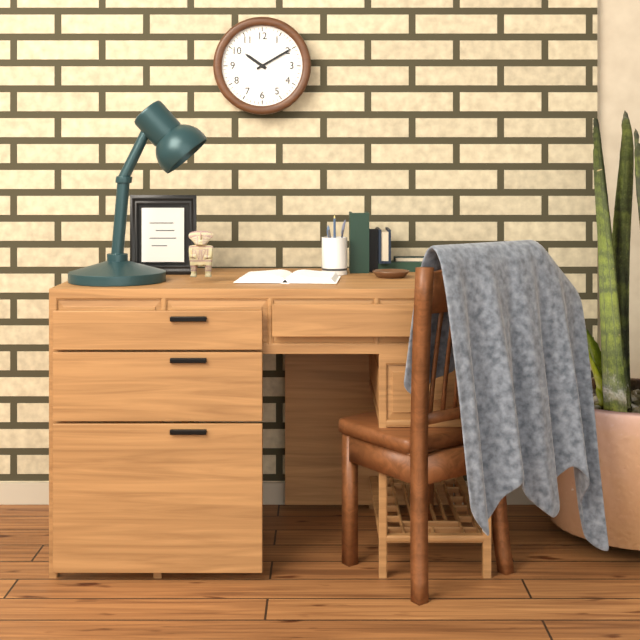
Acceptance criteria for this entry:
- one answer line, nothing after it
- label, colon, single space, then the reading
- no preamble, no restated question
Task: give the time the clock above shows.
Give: 10:10
